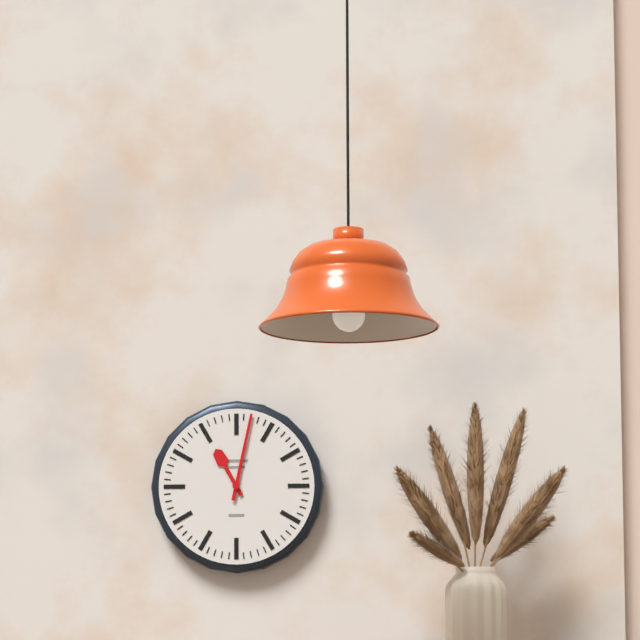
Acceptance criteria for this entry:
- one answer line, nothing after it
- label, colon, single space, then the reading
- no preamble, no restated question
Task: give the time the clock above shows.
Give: 11:02
